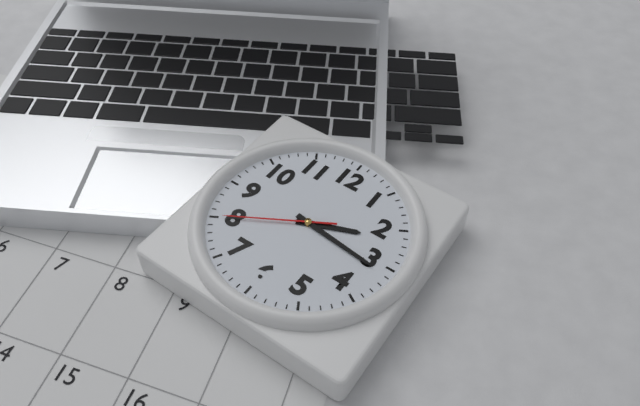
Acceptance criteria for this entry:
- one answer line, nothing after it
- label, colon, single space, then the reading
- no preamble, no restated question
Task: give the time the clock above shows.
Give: 2:16:40
